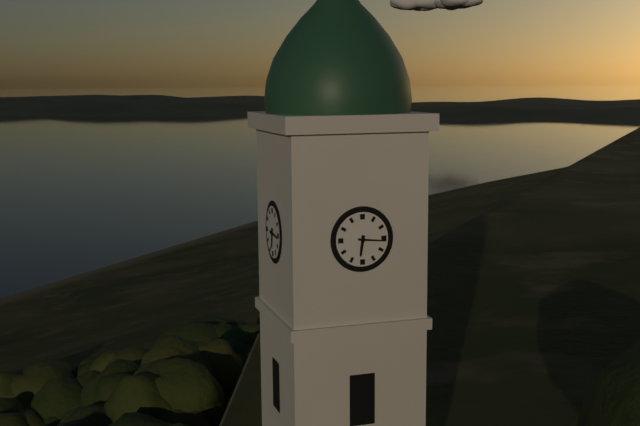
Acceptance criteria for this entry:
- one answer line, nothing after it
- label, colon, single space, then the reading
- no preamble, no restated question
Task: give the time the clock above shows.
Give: 6:16
